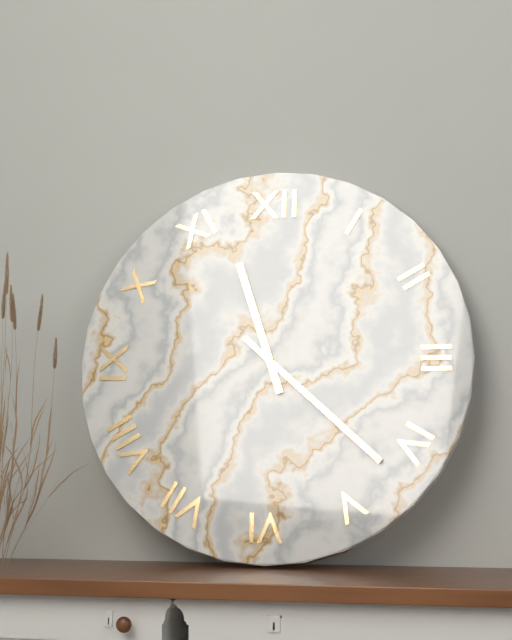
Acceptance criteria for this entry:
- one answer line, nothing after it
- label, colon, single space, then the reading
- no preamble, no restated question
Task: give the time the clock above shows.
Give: 11:22
